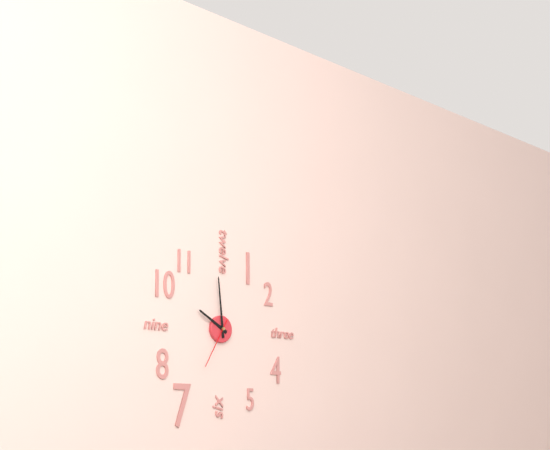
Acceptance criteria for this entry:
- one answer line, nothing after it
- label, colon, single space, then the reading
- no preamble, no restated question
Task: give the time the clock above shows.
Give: 9:59:35
